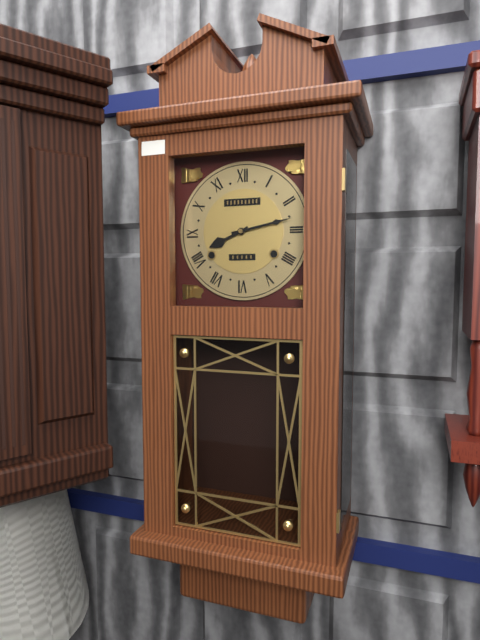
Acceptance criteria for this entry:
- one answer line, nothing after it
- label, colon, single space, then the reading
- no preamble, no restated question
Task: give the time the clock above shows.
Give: 8:13
